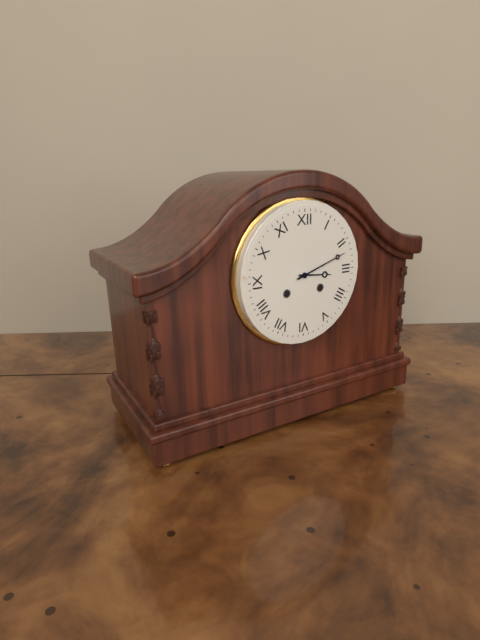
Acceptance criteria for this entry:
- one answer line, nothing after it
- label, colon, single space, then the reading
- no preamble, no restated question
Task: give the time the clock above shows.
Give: 3:12
